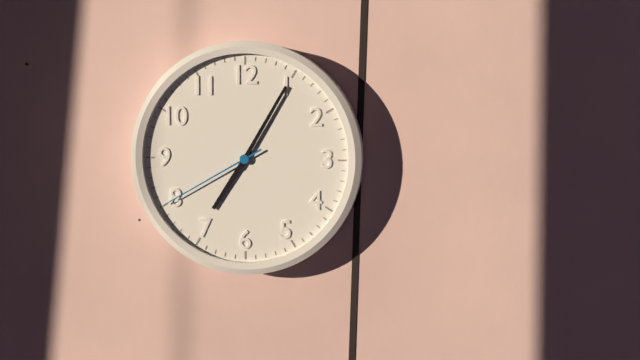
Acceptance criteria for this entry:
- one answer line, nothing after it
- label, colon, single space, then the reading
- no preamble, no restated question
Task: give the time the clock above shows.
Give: 7:05:40
